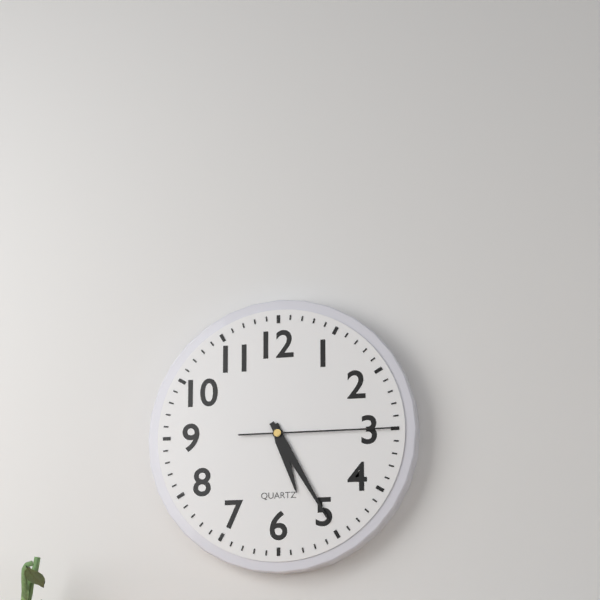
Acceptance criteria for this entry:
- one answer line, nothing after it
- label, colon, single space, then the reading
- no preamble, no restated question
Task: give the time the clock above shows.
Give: 5:25:15
